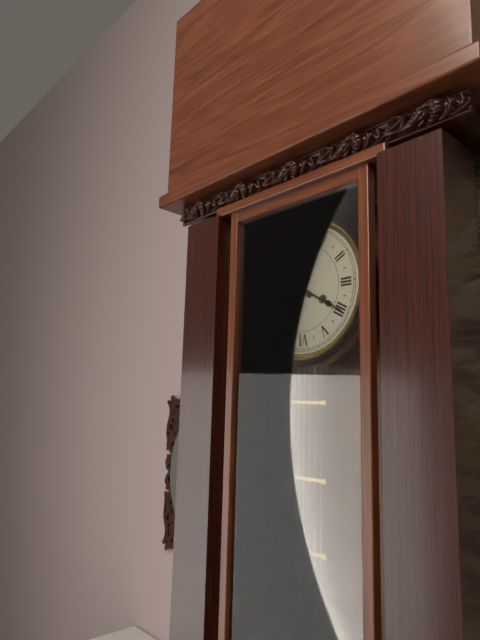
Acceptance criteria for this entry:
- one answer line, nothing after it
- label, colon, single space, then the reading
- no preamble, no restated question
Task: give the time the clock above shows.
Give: 10:20
